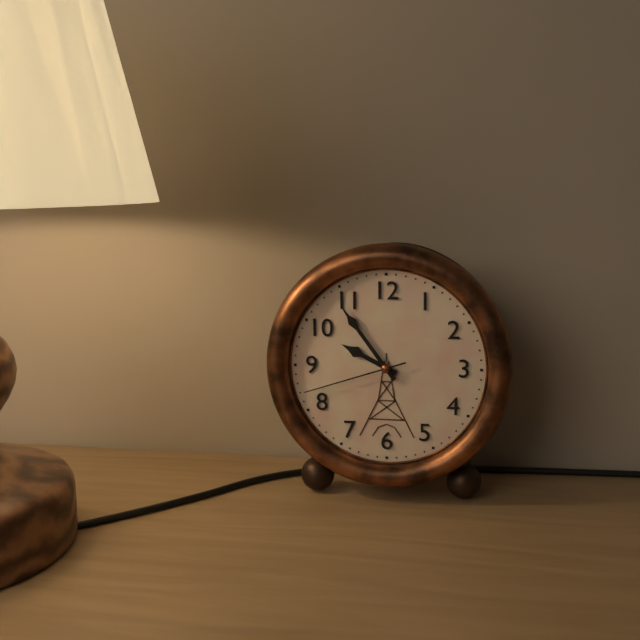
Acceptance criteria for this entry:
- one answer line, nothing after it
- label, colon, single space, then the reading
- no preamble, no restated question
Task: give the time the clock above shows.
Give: 9:54:42
